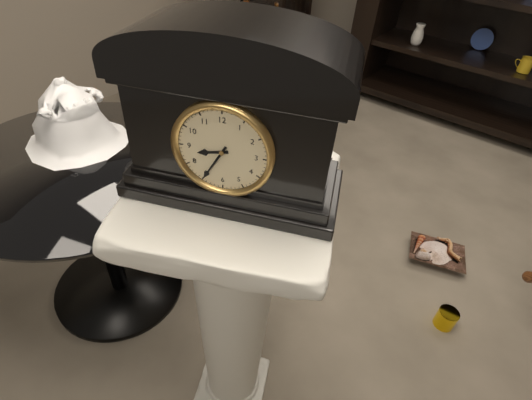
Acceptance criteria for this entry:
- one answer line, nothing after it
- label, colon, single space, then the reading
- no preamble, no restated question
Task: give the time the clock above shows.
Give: 8:35
